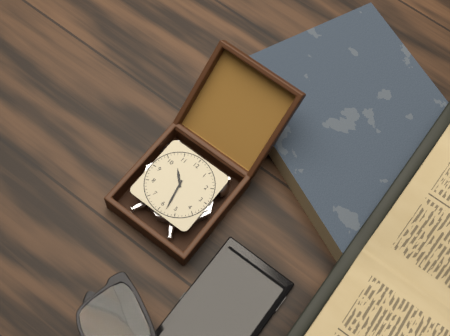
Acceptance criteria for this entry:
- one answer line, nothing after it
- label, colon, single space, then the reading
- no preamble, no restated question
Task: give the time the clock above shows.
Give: 10:28
